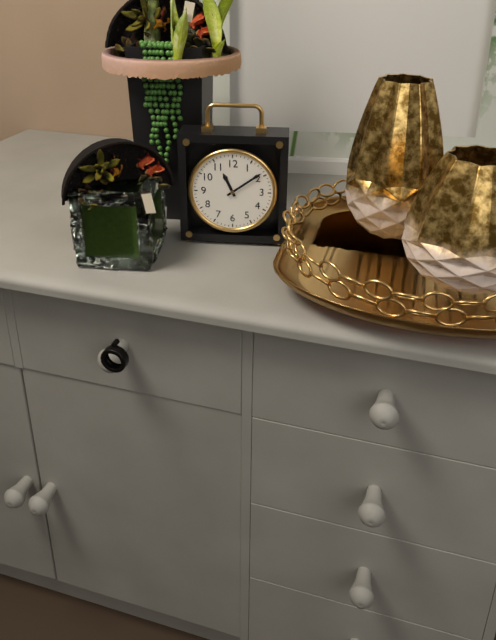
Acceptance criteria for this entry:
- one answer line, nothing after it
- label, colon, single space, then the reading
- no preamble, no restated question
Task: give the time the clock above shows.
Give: 11:09
